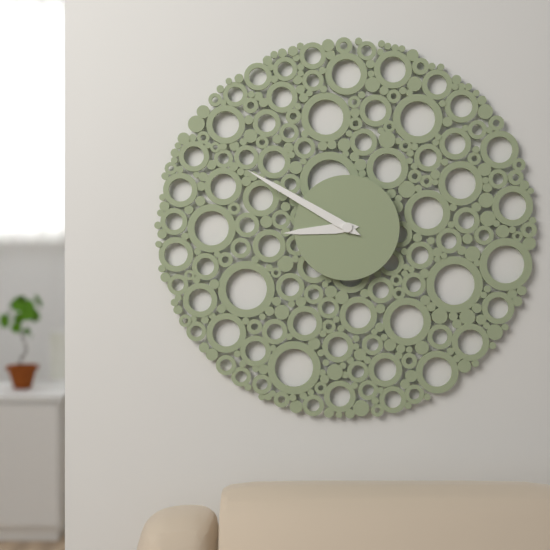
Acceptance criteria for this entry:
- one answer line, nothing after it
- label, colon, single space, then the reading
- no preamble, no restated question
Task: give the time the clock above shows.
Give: 8:50
